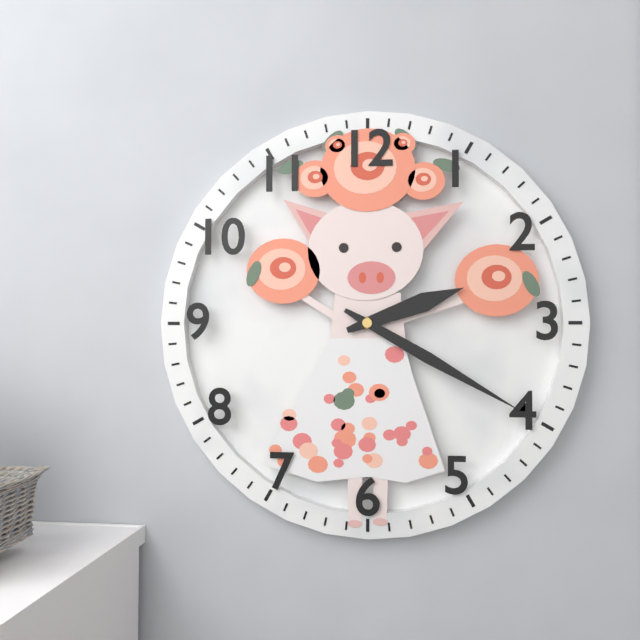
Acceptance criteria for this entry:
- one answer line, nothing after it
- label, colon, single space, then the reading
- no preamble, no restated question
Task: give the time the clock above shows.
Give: 2:20
